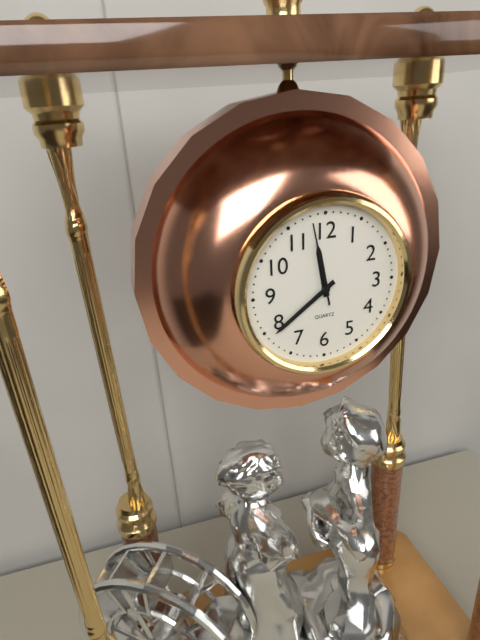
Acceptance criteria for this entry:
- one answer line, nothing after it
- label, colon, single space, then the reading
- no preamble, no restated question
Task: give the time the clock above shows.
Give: 11:39:58
